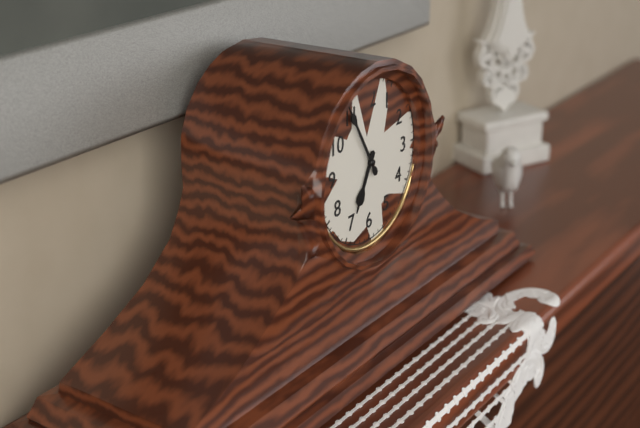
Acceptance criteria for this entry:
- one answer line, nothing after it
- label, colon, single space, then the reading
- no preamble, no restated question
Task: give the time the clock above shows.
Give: 6:55
